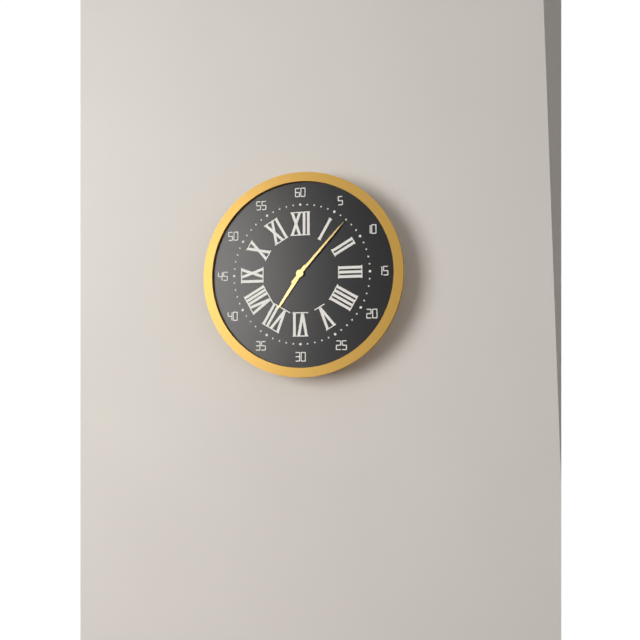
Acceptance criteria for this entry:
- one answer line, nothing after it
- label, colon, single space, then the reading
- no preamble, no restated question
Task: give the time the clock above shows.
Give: 7:07
